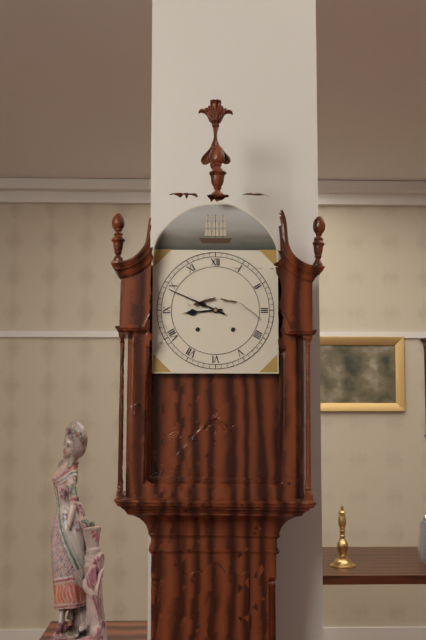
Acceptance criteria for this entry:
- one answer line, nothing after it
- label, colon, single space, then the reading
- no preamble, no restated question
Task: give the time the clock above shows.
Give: 8:49
